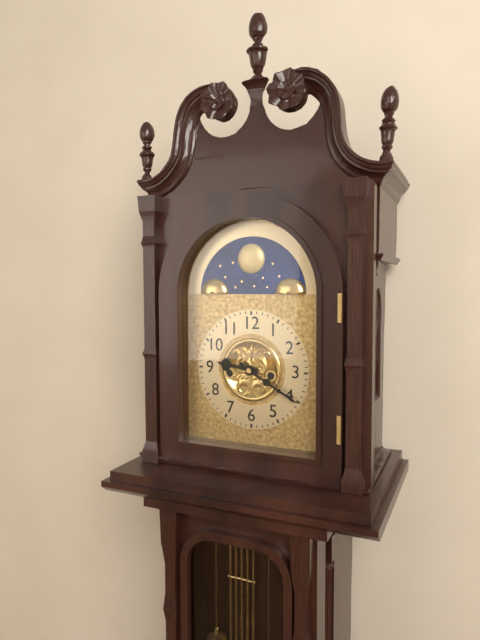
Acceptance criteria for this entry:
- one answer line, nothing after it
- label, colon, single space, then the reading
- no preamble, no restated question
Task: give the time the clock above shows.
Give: 9:20
